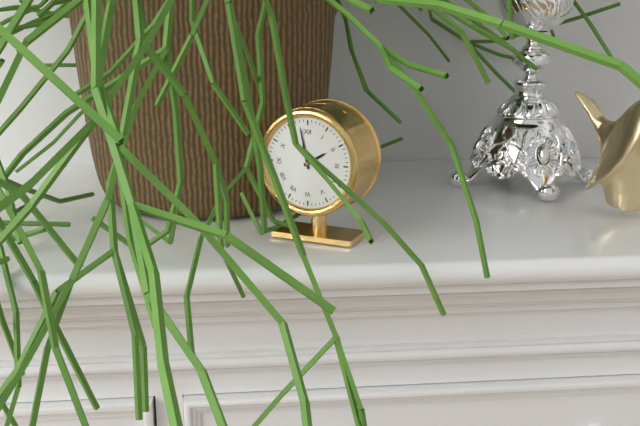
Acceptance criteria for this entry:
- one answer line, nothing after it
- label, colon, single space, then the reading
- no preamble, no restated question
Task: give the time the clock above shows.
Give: 1:58
